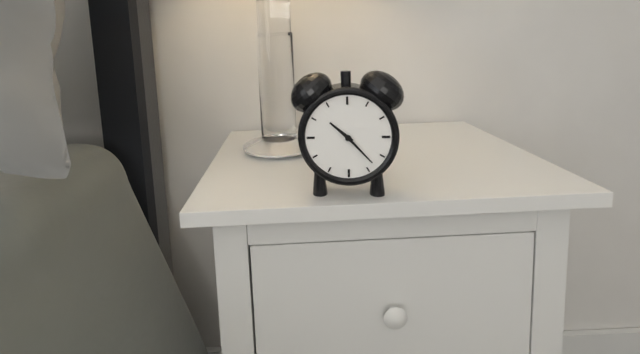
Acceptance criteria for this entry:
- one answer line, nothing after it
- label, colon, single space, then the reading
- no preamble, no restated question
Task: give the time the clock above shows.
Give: 10:23
